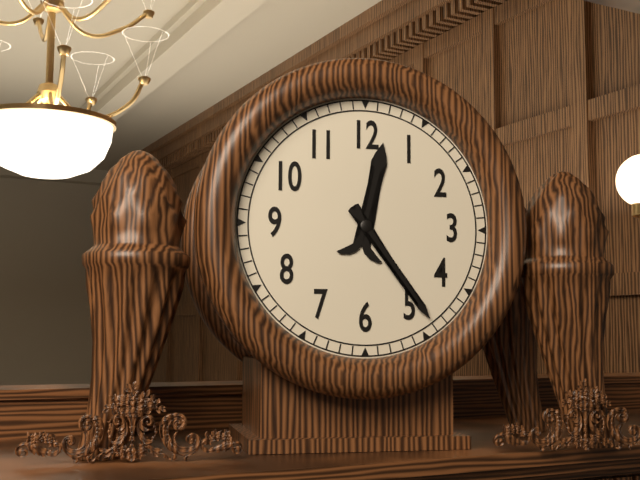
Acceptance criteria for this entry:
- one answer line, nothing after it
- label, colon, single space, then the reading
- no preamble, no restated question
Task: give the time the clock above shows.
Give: 12:24
